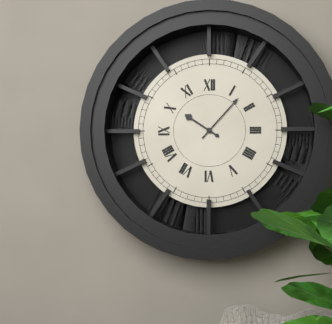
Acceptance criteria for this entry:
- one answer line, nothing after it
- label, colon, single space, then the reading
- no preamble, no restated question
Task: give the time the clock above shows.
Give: 10:07
